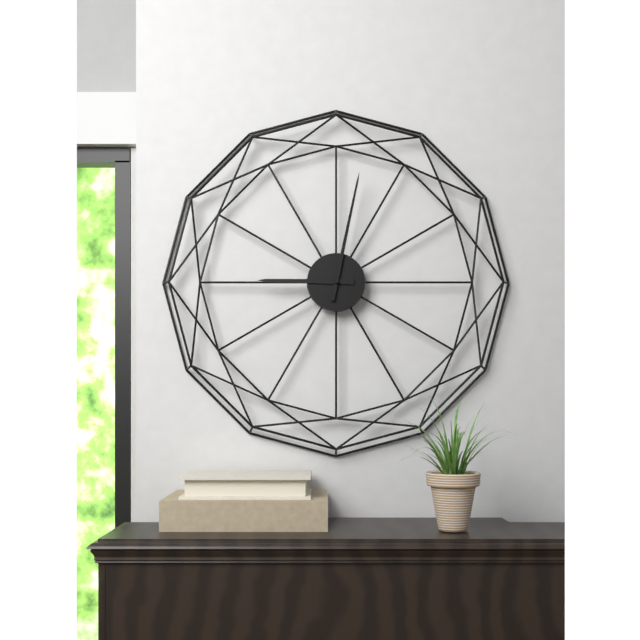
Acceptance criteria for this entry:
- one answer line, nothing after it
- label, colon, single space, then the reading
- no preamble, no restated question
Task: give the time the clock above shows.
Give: 9:02
